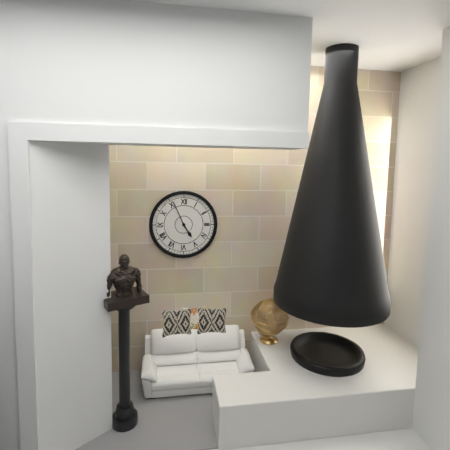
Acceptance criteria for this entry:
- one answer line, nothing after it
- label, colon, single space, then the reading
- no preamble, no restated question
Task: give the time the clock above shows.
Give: 4:56
